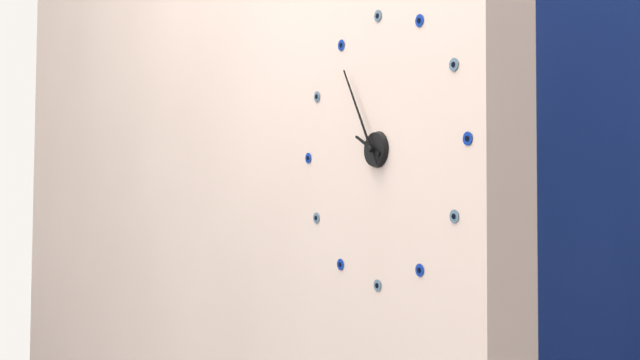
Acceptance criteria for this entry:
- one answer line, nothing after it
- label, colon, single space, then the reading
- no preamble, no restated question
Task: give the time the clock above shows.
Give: 9:55
